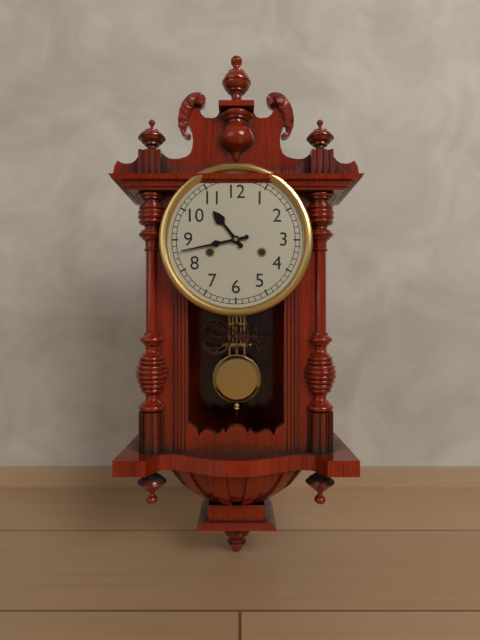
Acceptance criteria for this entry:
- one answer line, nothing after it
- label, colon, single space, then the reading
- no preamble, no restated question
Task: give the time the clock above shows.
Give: 10:43
